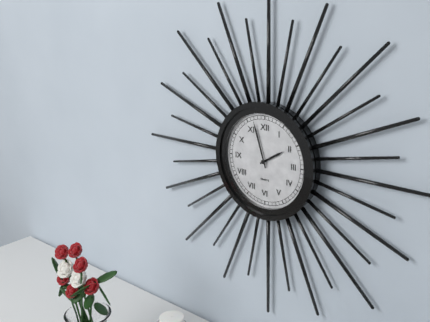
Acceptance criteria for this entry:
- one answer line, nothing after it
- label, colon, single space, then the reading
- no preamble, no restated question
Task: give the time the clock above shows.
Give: 1:57
